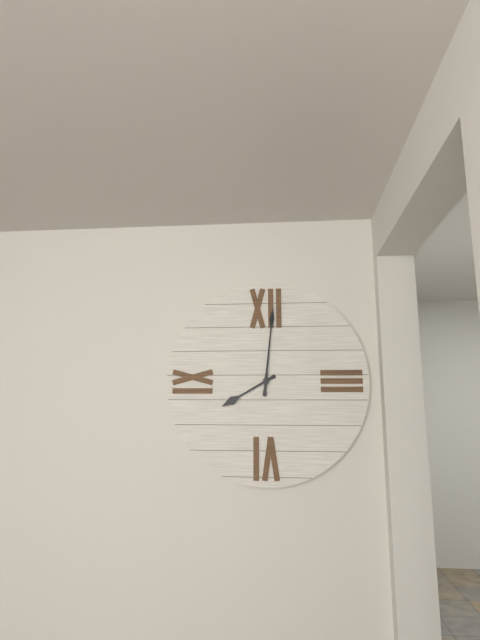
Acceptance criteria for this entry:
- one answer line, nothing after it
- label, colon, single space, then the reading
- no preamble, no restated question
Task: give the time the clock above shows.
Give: 8:01
